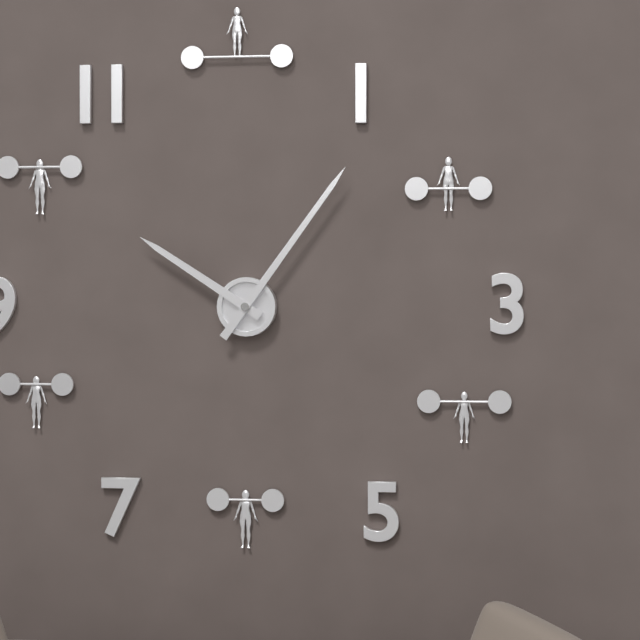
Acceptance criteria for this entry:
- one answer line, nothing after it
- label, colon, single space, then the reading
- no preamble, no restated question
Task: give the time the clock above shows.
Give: 10:06
